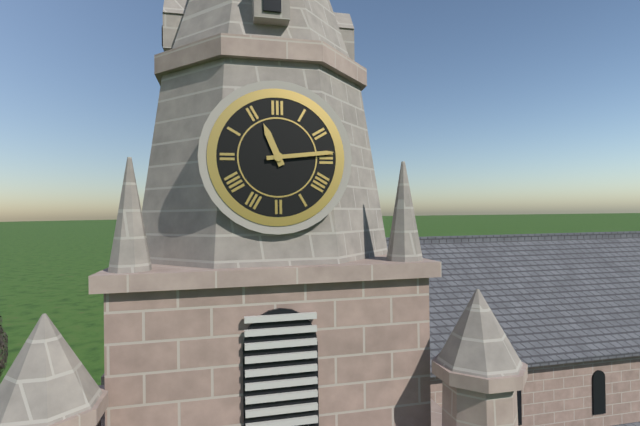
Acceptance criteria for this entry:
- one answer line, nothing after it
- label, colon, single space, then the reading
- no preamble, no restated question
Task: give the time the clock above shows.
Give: 11:14
